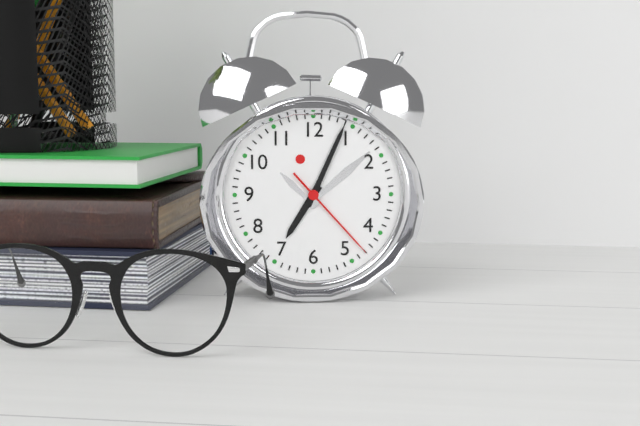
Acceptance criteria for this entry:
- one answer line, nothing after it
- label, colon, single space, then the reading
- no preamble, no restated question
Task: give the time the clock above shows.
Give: 7:04:23
